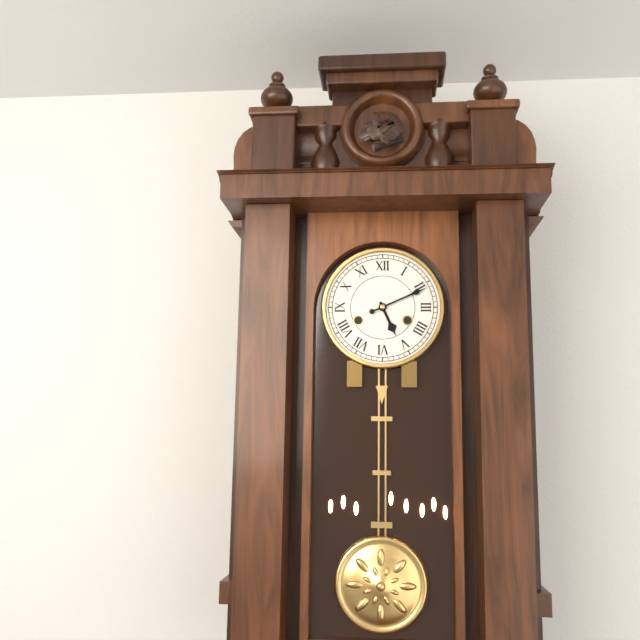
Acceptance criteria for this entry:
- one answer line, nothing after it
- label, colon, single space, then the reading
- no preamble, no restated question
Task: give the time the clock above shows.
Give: 5:11
